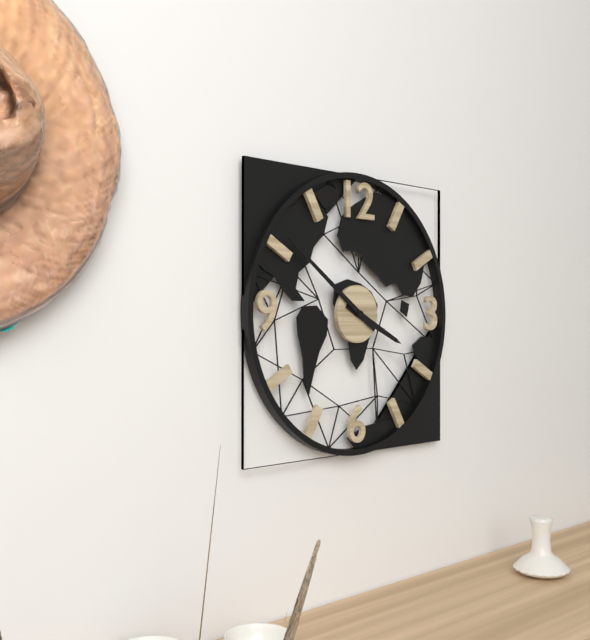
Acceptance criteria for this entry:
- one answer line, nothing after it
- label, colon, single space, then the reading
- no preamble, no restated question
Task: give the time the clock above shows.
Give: 3:51
